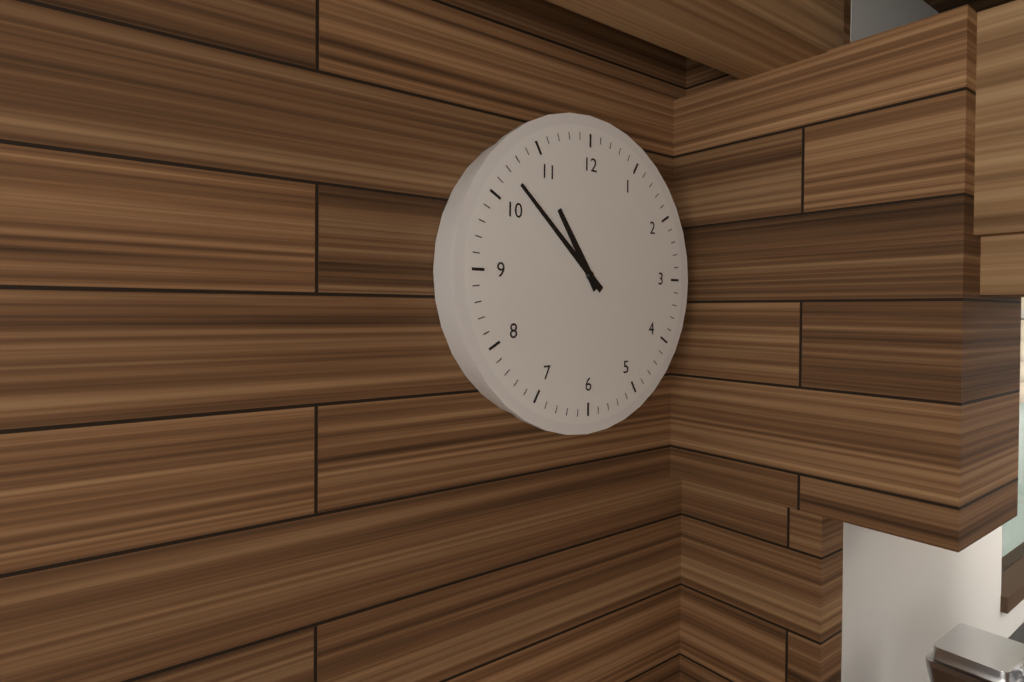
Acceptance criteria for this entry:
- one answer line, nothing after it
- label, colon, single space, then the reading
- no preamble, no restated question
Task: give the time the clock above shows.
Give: 10:52
